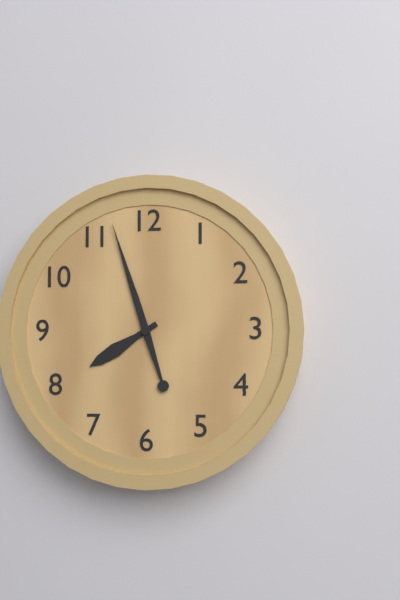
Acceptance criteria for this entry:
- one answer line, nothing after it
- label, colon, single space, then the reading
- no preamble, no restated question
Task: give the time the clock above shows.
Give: 7:57
